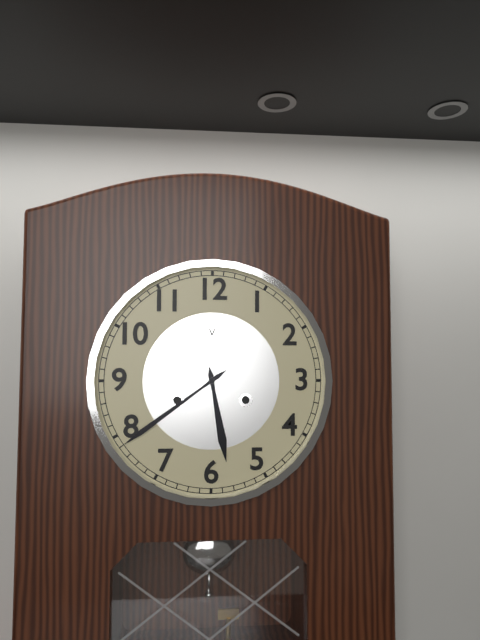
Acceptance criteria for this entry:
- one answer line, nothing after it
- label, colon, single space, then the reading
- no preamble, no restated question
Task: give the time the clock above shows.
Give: 5:39
